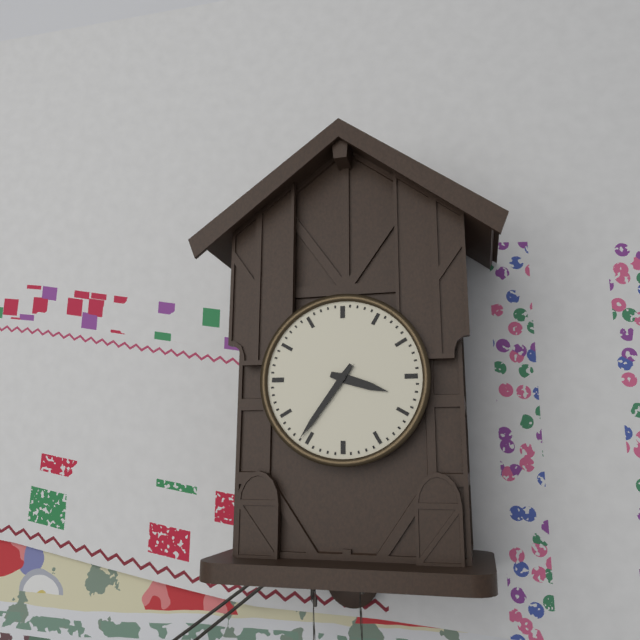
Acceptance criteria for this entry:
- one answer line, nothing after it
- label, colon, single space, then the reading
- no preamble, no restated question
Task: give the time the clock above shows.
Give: 3:36
